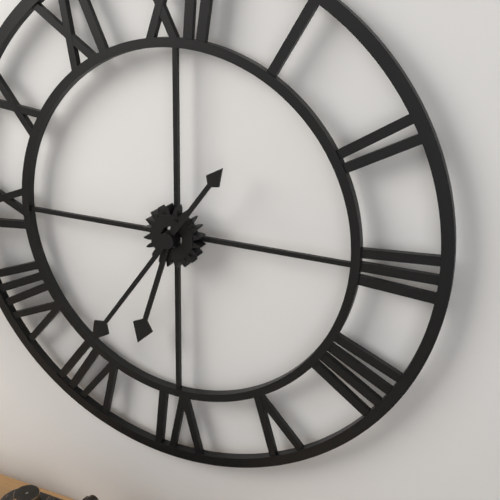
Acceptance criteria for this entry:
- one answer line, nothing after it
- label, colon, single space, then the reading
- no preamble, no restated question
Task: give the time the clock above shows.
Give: 6:36
